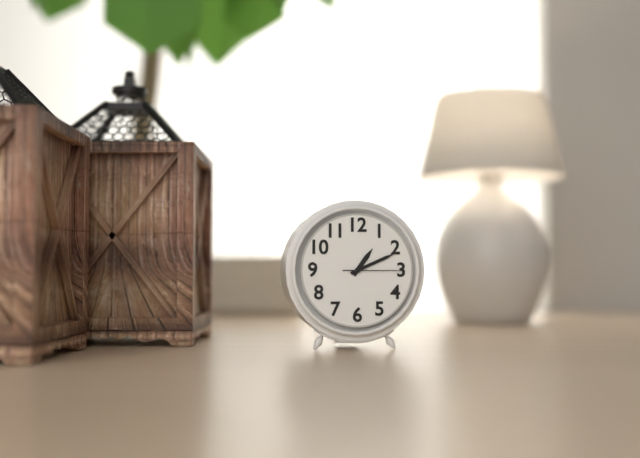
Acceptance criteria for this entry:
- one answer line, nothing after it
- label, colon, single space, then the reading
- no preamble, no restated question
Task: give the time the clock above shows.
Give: 1:11:15
